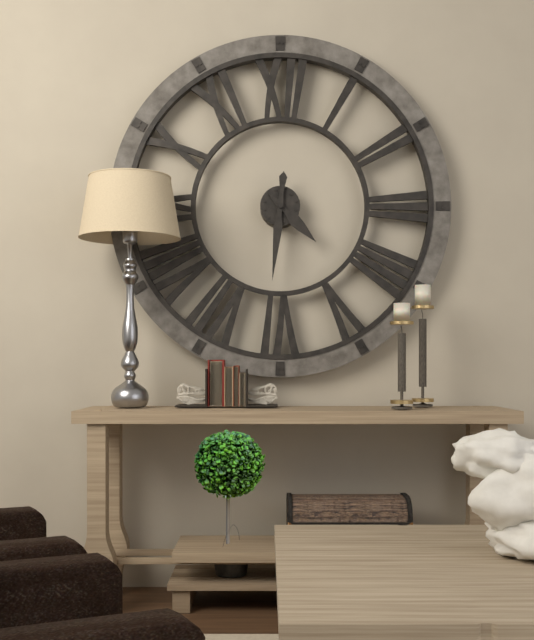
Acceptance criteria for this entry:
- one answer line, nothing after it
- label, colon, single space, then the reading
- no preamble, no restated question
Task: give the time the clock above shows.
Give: 4:31
